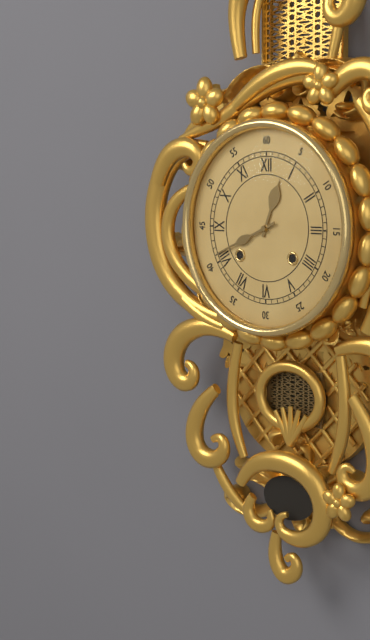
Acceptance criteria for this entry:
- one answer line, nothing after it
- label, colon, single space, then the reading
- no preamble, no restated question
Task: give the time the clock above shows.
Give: 12:41
